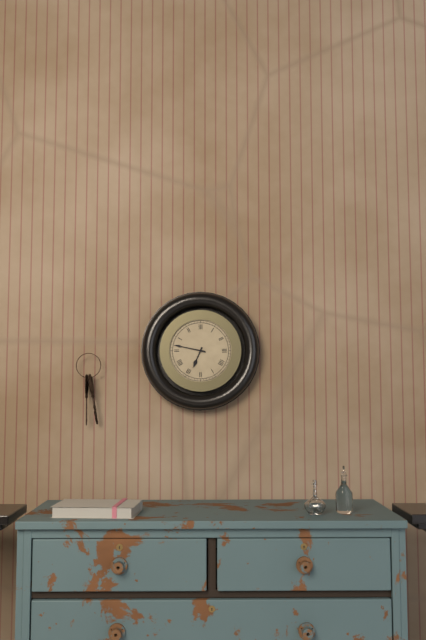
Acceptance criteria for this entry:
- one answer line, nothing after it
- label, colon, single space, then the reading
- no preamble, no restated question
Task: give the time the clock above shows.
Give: 6:47
